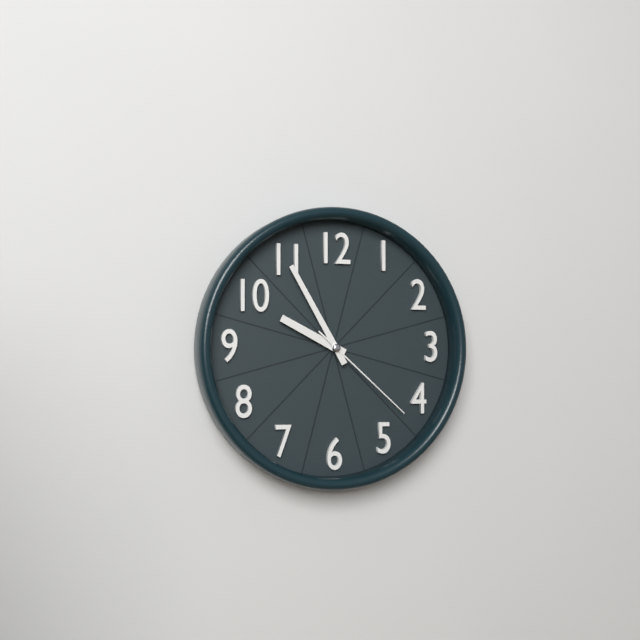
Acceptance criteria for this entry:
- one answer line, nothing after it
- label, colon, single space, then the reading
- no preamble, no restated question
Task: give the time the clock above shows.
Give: 9:55:22
